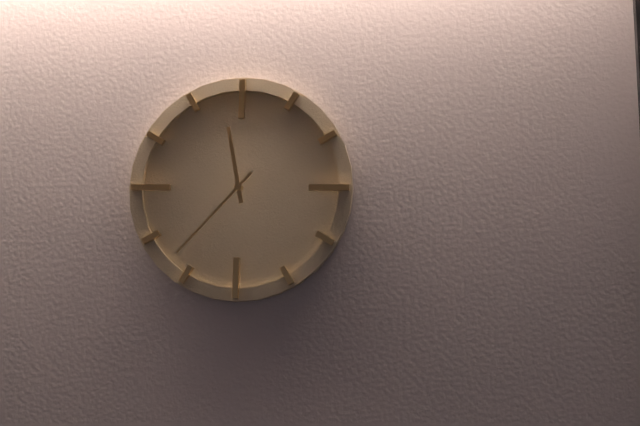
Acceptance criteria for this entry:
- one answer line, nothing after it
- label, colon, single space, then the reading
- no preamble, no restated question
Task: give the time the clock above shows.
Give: 11:37
